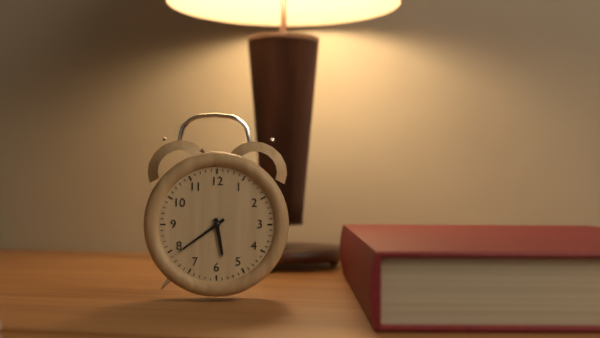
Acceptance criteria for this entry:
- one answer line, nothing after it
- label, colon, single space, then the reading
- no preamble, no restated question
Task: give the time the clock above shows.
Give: 5:39
